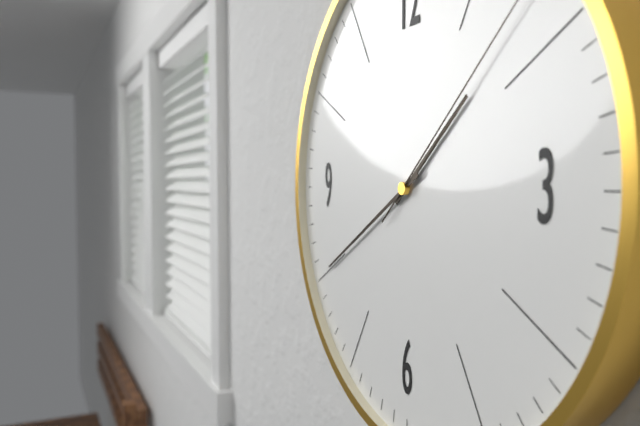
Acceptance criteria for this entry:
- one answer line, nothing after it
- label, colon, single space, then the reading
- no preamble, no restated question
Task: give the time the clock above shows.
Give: 1:40
